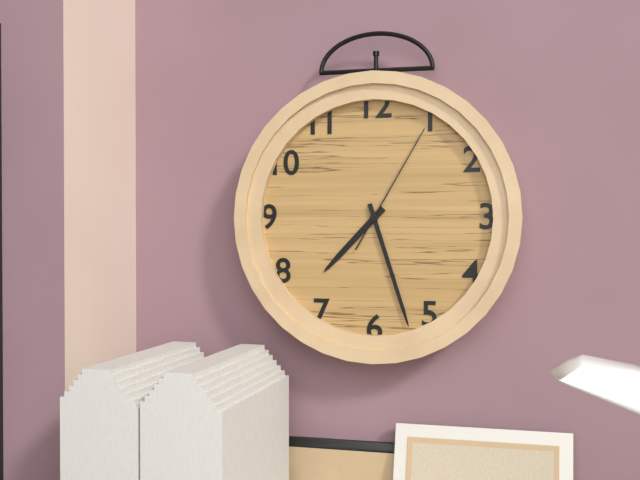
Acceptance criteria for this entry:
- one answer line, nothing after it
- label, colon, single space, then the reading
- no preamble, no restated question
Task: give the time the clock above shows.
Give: 7:27:05
